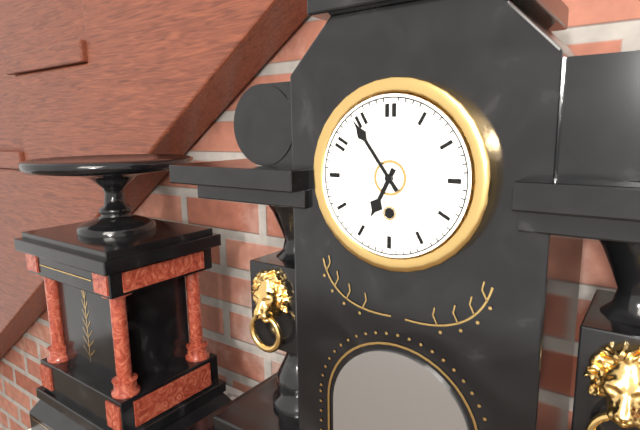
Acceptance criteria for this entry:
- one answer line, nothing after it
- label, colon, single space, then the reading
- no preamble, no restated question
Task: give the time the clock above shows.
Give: 6:54
